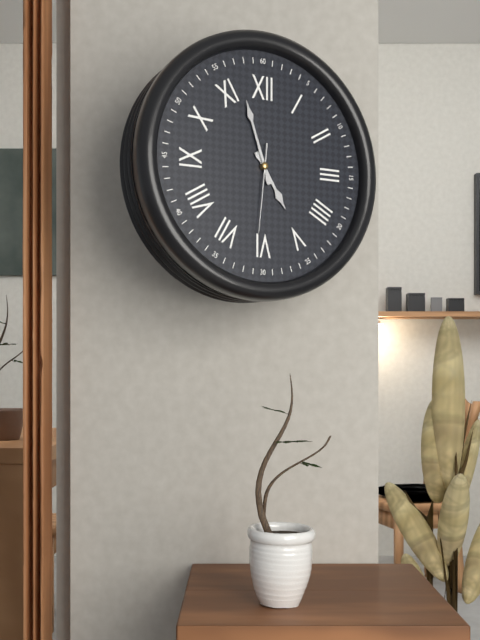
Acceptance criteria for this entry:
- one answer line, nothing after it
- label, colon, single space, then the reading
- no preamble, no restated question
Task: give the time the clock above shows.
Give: 4:57:31
